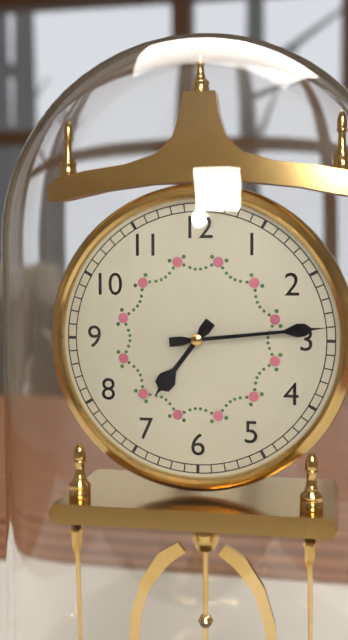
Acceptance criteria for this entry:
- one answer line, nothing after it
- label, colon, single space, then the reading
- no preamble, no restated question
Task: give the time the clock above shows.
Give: 7:14
